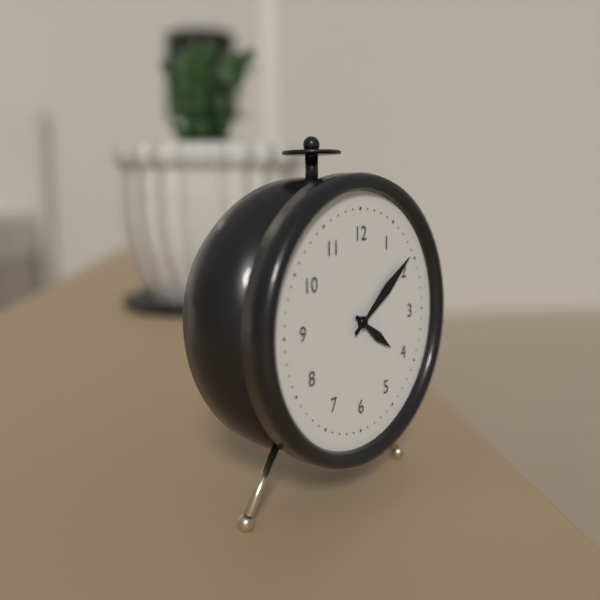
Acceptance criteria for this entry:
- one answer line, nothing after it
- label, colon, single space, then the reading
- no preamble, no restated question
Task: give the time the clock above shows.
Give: 4:09
